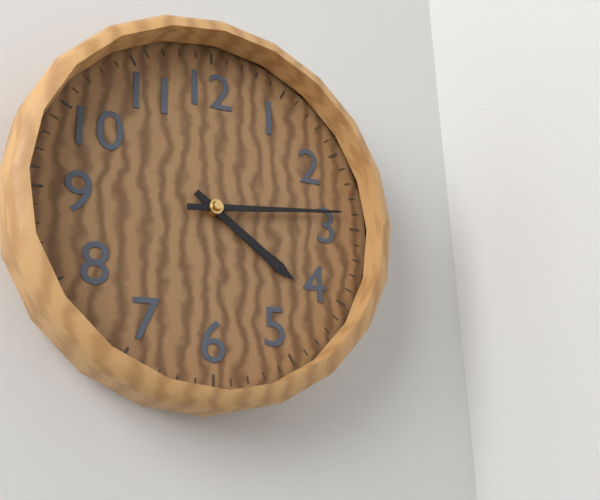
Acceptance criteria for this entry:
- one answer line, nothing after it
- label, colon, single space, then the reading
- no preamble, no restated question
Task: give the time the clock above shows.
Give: 4:14
